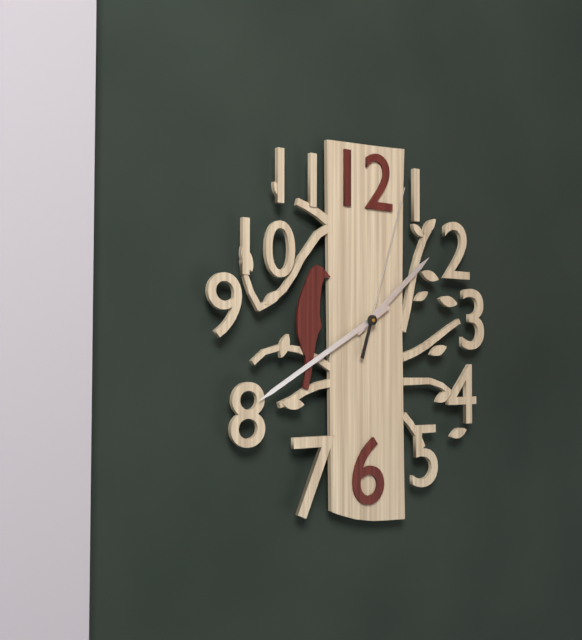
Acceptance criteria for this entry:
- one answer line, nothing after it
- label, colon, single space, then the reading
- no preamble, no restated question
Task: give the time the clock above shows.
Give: 1:40:03
